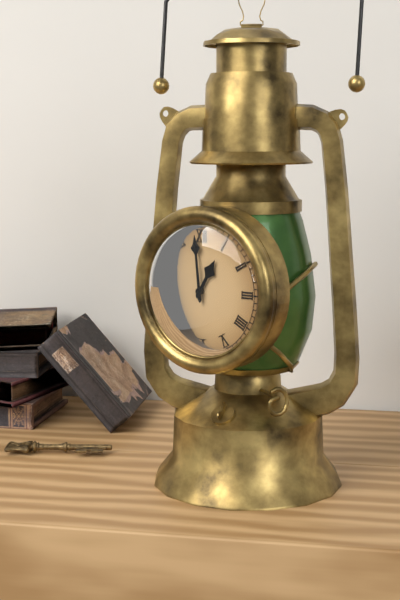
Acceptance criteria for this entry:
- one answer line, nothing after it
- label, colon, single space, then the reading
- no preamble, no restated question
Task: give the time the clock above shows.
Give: 12:59
